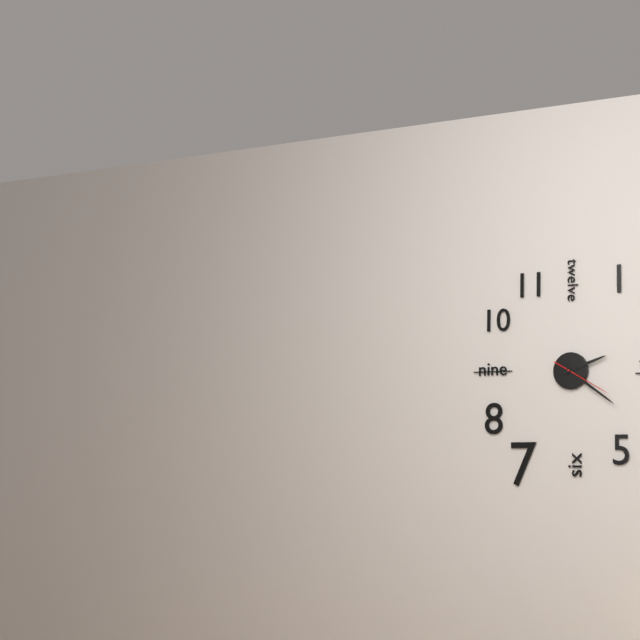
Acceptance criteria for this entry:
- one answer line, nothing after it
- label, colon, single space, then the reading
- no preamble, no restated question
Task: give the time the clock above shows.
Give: 2:21:20
